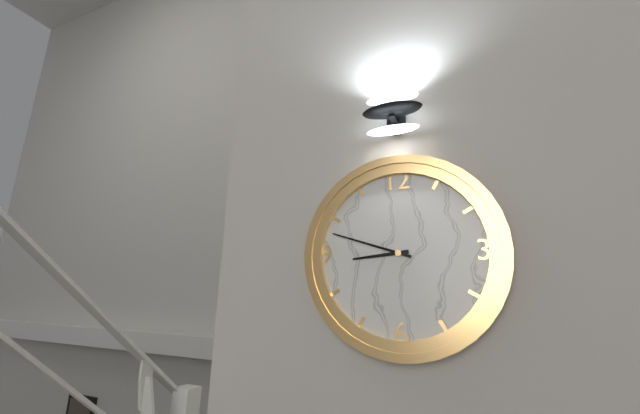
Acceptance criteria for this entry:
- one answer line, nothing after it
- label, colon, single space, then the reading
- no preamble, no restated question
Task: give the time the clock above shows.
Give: 8:48
